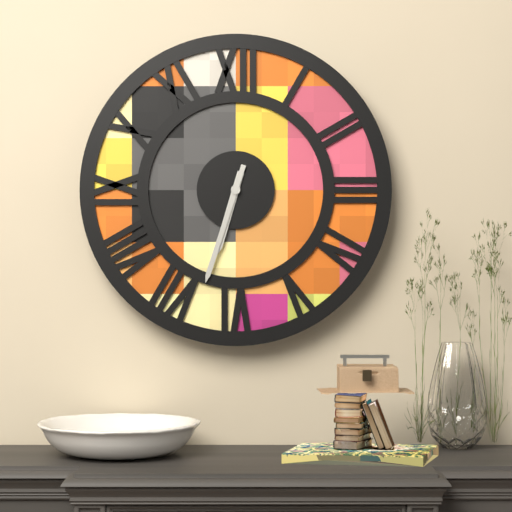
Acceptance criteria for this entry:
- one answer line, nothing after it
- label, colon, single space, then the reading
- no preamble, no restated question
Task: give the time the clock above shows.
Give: 6:33
